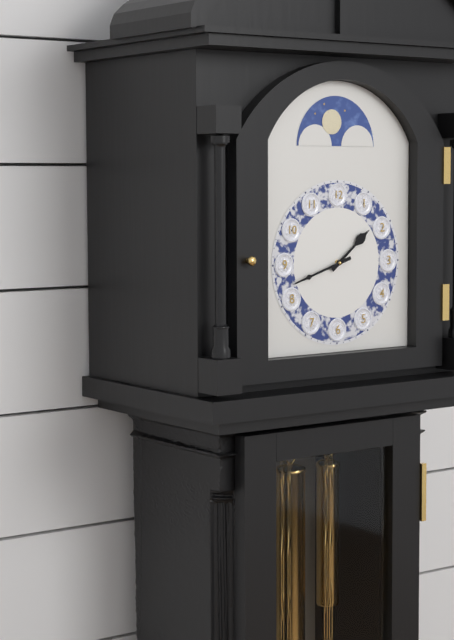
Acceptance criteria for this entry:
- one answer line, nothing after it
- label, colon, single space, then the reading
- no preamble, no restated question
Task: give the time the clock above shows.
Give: 1:42
